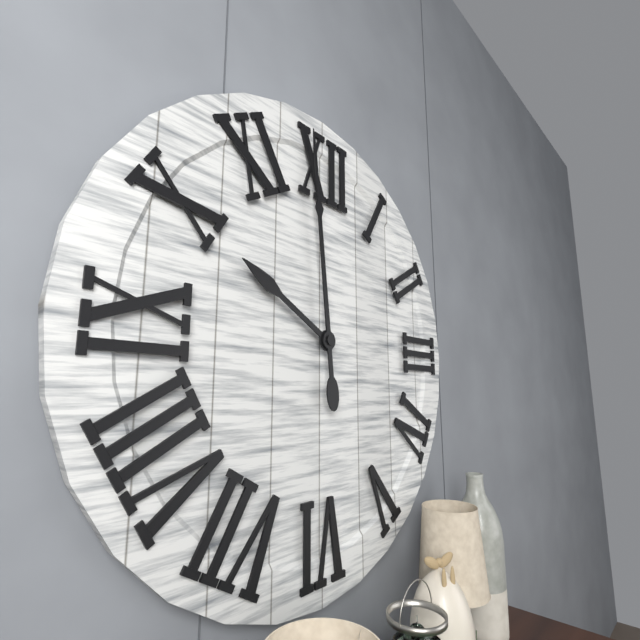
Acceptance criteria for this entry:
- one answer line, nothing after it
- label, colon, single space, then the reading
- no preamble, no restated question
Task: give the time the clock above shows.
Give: 9:59
